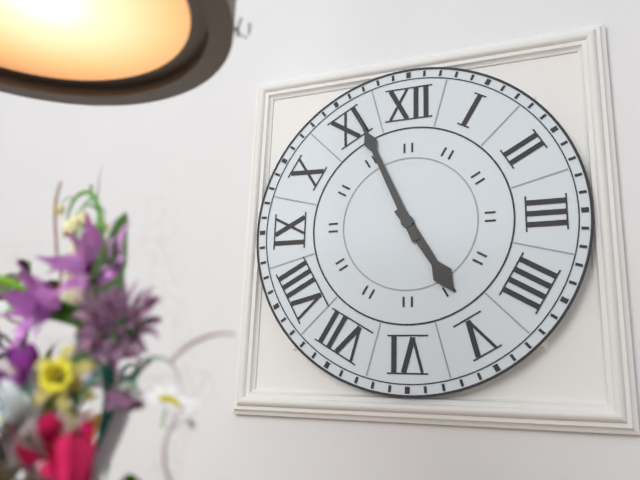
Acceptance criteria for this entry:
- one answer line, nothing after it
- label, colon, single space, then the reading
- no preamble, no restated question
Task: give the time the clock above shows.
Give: 4:56
